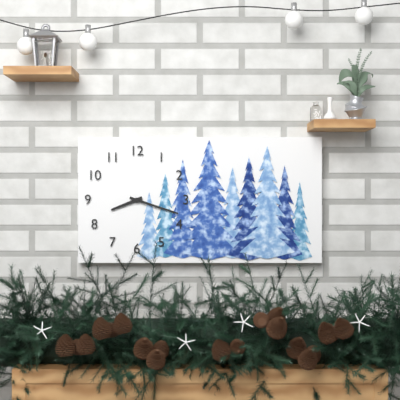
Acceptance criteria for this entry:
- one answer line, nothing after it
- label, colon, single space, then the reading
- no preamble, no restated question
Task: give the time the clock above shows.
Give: 8:18
